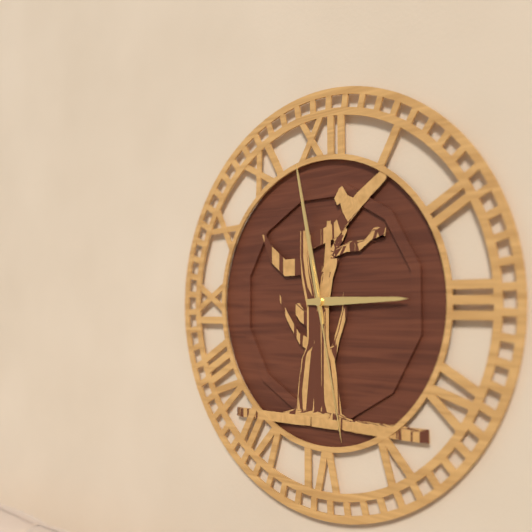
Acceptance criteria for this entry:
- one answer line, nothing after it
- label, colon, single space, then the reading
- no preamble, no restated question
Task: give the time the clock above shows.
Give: 2:58:28
